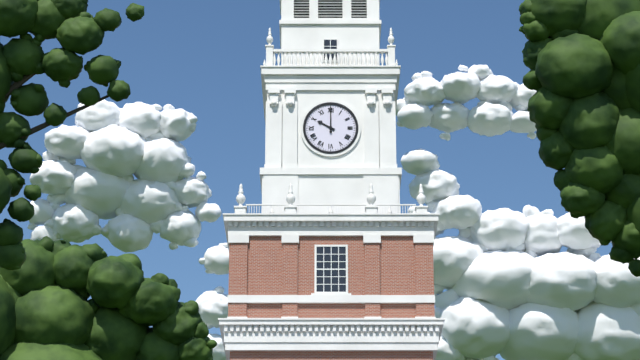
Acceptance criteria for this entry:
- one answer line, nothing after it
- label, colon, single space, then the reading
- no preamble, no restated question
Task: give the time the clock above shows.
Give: 10:00
